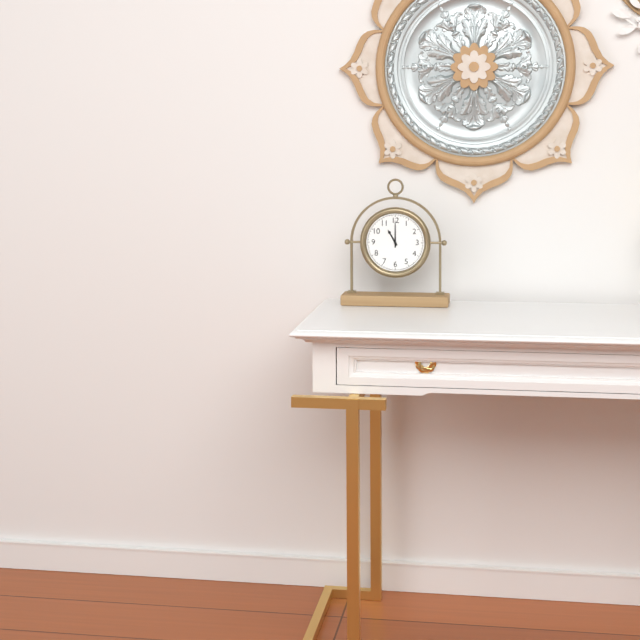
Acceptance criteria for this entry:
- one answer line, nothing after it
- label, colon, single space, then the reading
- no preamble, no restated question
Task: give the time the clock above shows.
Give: 11:00
